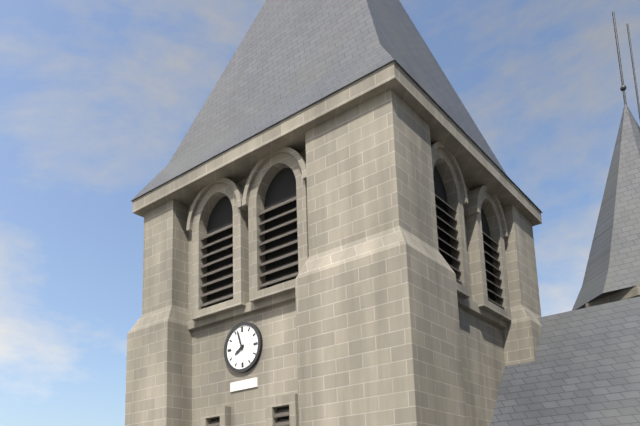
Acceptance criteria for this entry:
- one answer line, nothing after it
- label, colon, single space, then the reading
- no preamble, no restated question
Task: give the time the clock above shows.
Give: 7:57
